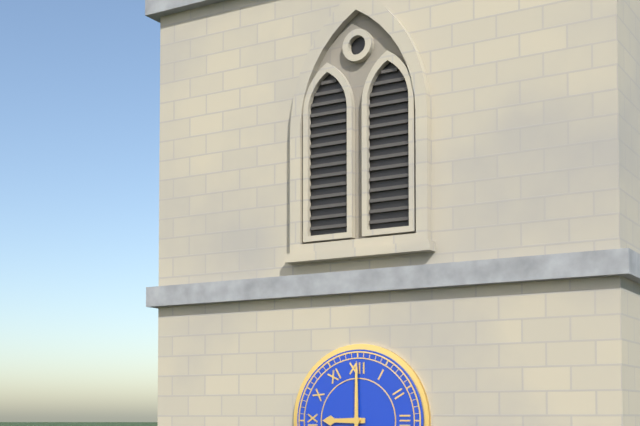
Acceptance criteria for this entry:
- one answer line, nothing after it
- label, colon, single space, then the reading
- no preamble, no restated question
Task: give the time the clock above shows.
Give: 9:00
